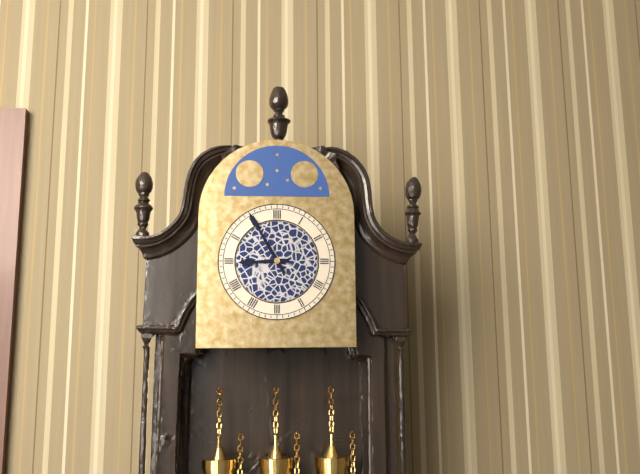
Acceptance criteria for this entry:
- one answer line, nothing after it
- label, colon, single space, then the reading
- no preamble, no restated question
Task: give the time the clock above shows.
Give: 8:55
